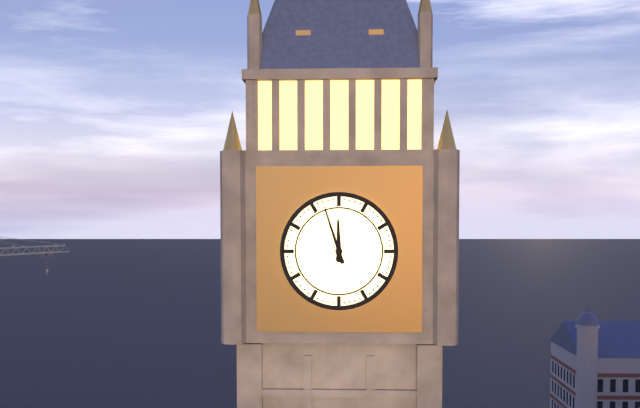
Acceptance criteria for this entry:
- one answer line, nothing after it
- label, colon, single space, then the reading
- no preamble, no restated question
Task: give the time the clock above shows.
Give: 11:57
